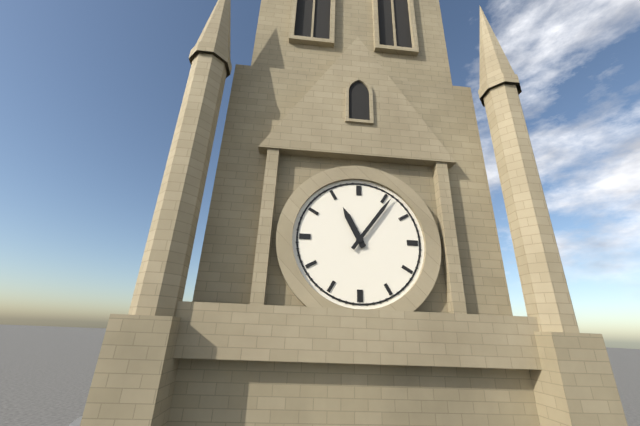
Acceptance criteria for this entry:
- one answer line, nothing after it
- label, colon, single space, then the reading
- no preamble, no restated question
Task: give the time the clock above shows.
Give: 11:06
